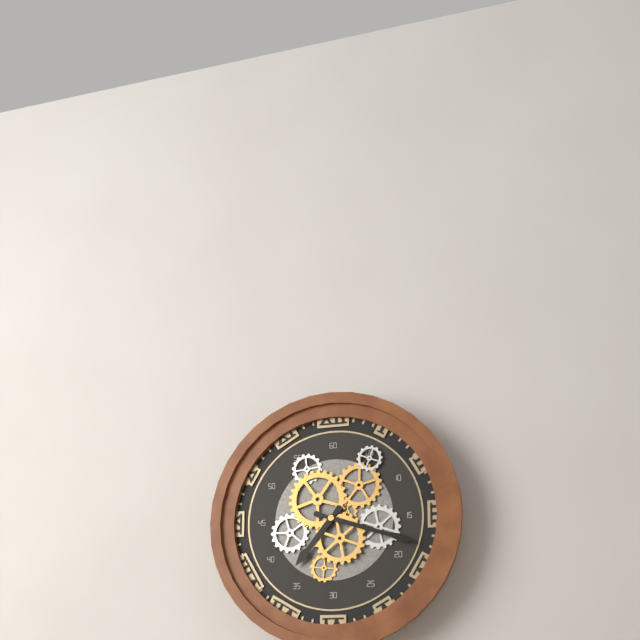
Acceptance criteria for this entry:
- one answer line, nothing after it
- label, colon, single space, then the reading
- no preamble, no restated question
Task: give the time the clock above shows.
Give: 7:18
